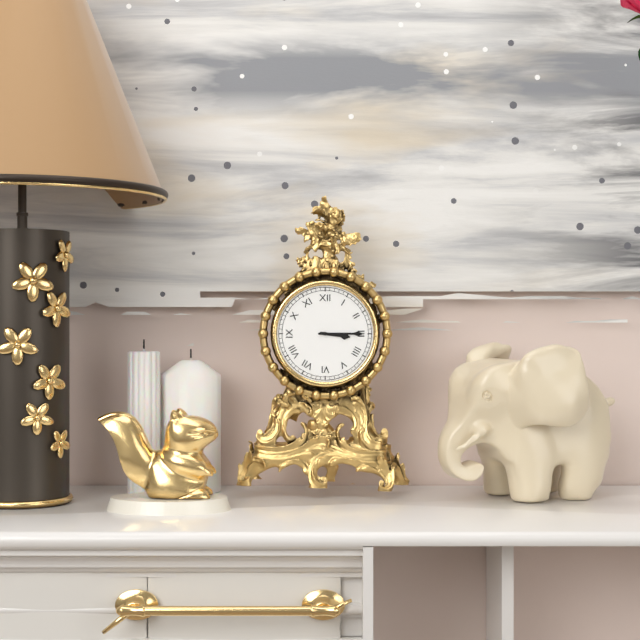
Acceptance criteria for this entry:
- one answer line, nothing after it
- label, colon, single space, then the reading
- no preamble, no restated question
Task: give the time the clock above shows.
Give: 3:15
